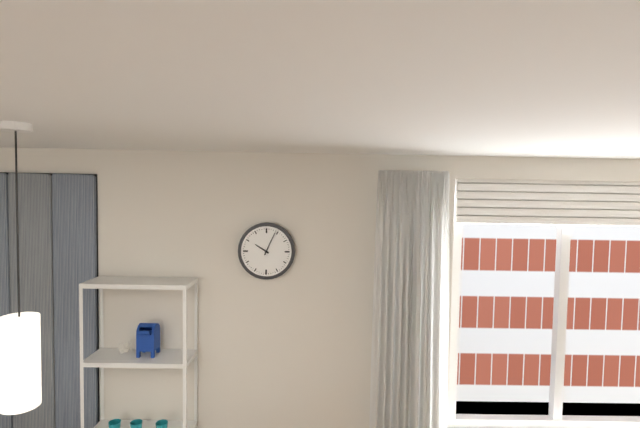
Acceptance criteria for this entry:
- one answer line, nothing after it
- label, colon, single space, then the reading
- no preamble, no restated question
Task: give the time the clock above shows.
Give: 10:04
